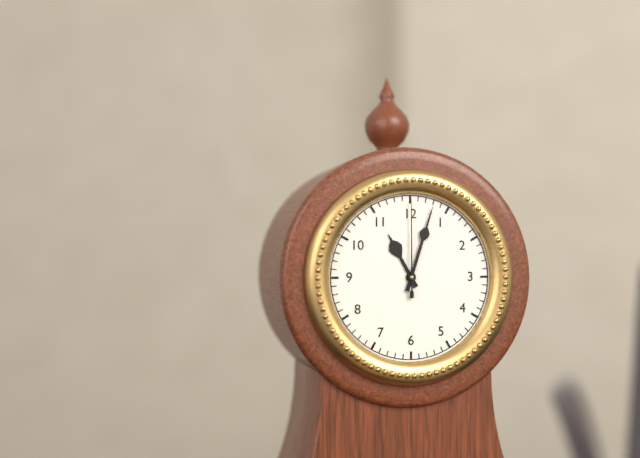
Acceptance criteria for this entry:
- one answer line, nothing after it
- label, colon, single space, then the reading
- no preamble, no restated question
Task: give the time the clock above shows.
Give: 11:03:00
